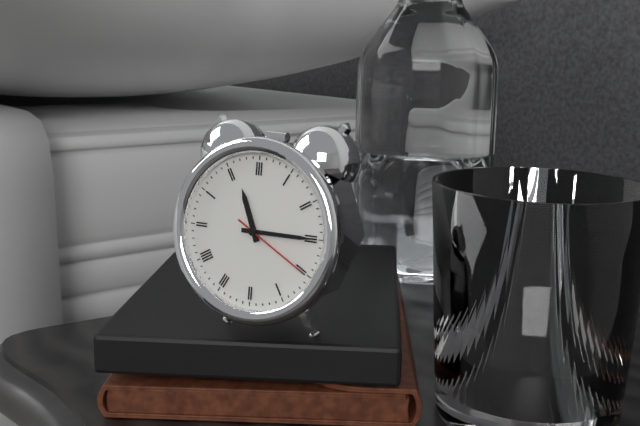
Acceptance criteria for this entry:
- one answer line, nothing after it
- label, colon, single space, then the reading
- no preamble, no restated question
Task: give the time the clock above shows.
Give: 11:15:20
